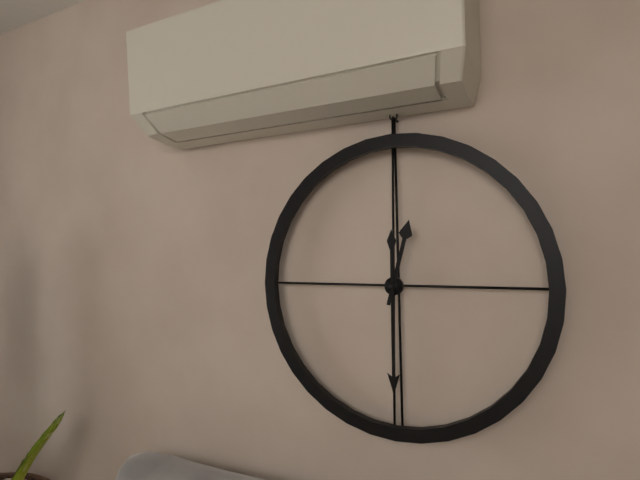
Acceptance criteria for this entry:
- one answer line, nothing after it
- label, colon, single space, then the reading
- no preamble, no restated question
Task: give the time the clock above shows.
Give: 12:30
